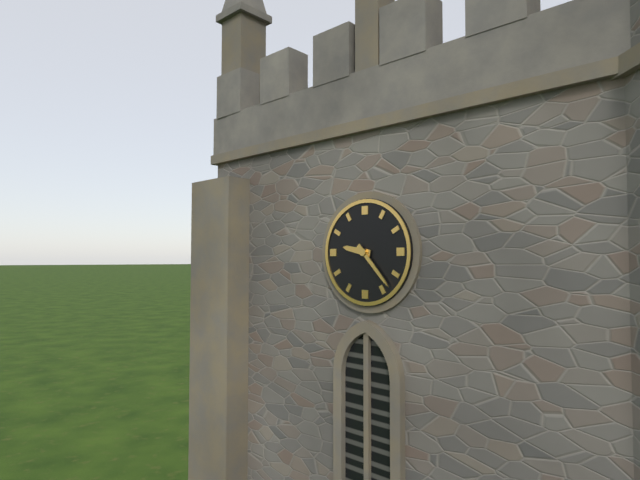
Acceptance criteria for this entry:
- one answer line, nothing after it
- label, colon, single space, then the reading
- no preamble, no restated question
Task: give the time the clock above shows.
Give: 9:23
